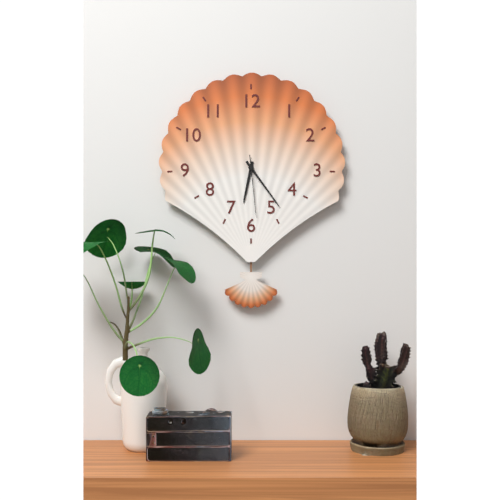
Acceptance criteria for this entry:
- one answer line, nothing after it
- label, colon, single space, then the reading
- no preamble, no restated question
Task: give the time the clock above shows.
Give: 6:24:29
